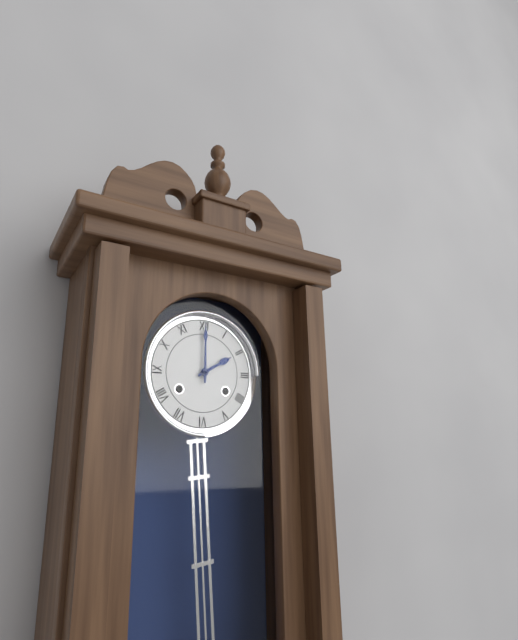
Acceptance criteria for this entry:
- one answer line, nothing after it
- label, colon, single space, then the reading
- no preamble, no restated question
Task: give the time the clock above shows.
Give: 2:00
